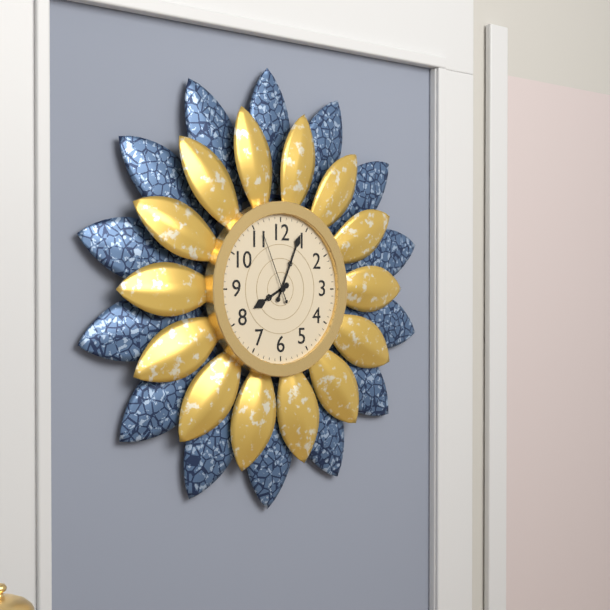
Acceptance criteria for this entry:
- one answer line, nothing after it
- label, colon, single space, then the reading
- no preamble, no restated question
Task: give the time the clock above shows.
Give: 8:04:56
